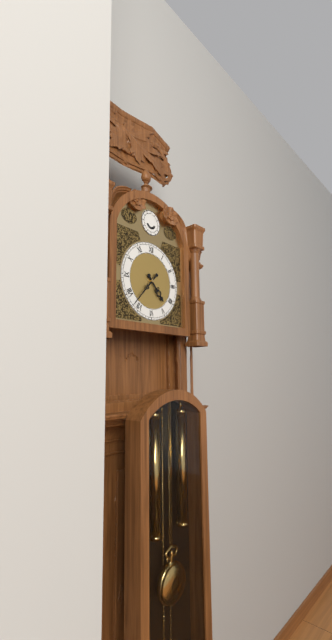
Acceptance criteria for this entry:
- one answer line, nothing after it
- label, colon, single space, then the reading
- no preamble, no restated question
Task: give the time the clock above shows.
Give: 4:37
